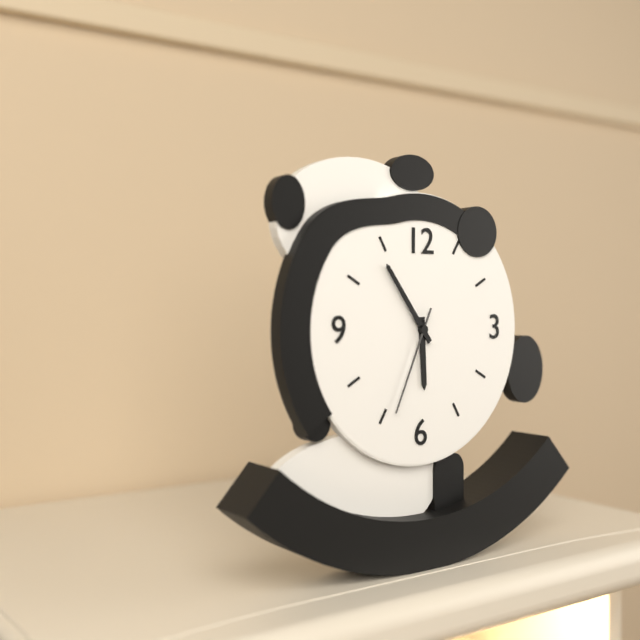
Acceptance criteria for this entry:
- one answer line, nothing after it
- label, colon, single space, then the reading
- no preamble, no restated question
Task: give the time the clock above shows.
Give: 5:54:34
